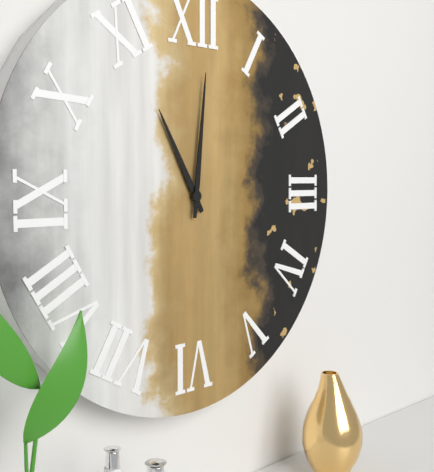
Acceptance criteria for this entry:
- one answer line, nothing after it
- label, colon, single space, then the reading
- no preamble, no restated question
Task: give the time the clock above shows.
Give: 11:01
